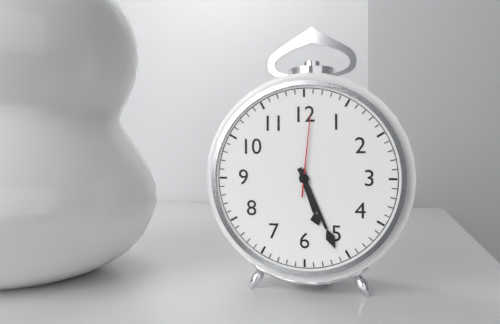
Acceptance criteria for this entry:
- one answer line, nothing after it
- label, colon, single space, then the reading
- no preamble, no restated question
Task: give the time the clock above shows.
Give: 5:26:01
